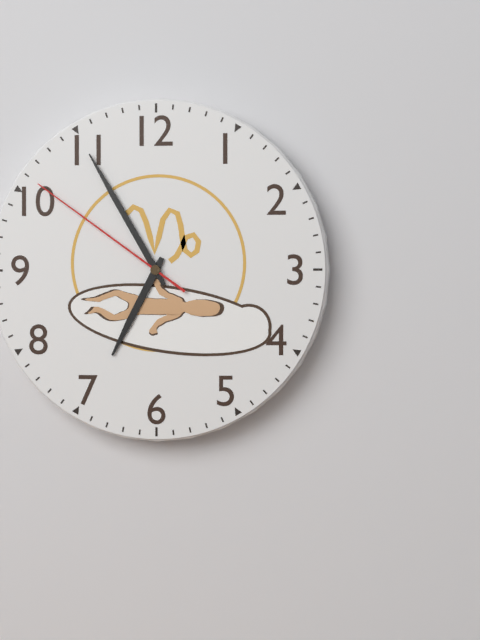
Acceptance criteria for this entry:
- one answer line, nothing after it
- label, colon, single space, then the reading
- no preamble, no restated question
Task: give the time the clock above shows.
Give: 6:55:51
